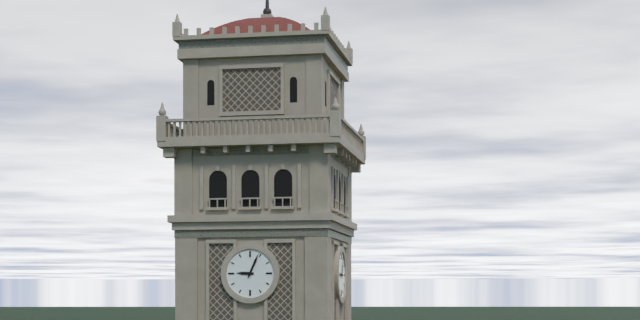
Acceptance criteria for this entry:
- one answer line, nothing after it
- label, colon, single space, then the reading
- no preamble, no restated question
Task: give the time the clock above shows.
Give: 9:04
